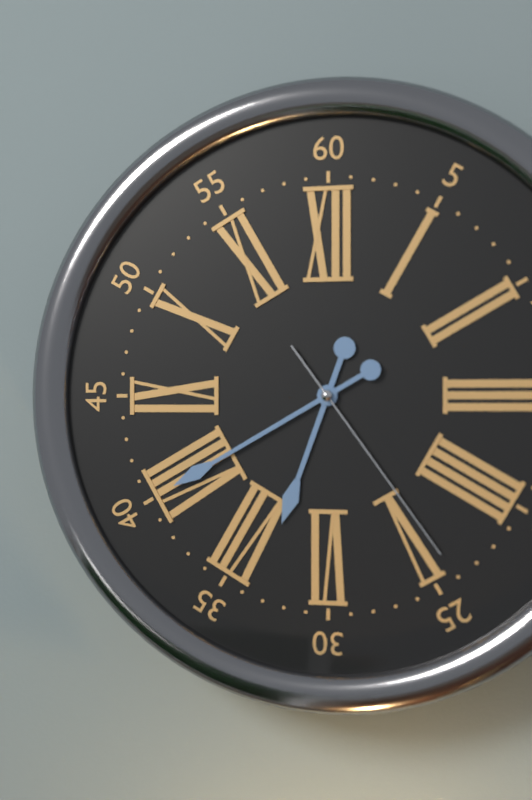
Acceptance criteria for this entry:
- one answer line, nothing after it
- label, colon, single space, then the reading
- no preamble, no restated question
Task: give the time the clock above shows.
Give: 6:40:24
